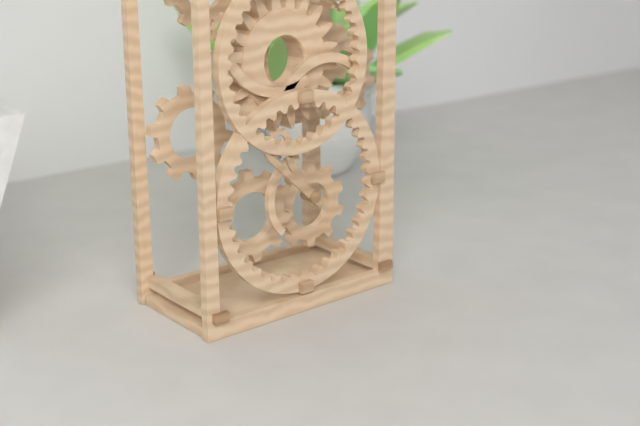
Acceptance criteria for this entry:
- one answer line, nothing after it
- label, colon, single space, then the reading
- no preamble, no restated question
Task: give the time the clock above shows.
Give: 10:52
